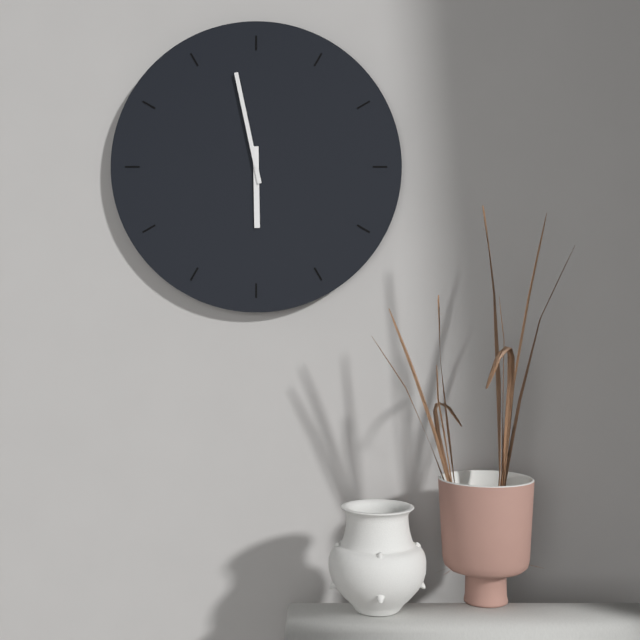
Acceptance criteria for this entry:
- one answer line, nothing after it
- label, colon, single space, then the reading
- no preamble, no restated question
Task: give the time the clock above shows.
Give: 5:58
